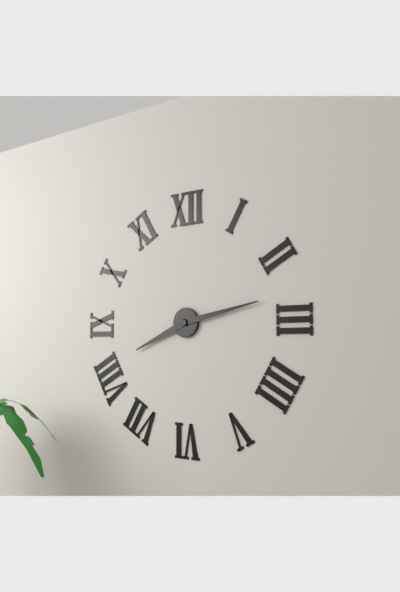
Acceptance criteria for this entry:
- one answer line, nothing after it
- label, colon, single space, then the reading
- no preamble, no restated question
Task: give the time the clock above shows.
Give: 8:13
